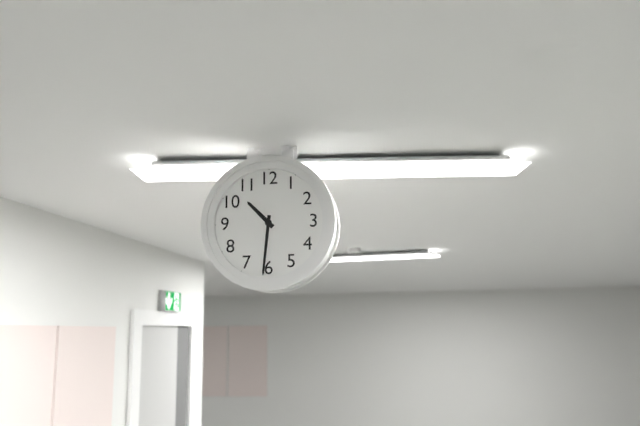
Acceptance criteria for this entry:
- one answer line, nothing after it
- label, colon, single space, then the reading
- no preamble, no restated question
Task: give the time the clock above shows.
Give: 10:31
